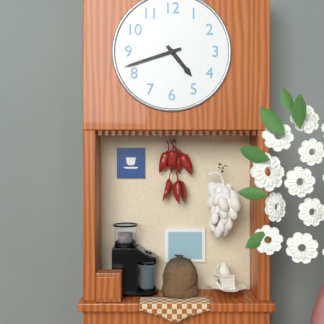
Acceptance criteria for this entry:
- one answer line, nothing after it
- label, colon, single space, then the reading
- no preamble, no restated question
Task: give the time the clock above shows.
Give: 4:42
